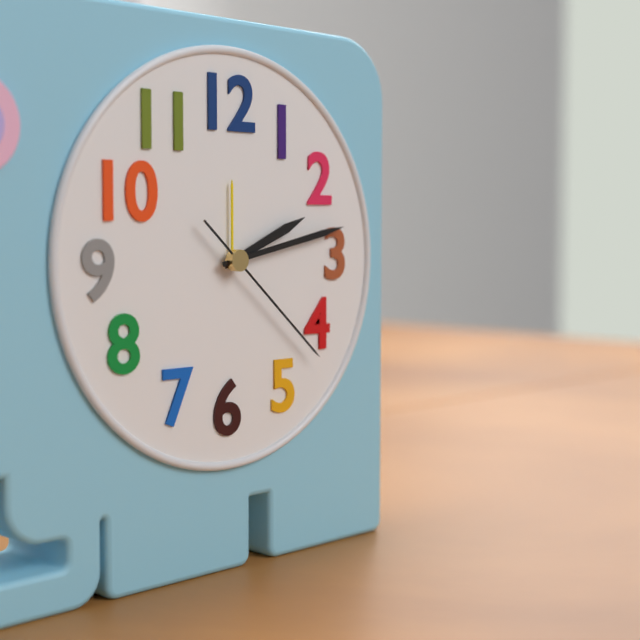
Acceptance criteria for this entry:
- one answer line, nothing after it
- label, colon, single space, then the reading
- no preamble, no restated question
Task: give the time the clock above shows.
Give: 2:13:22
